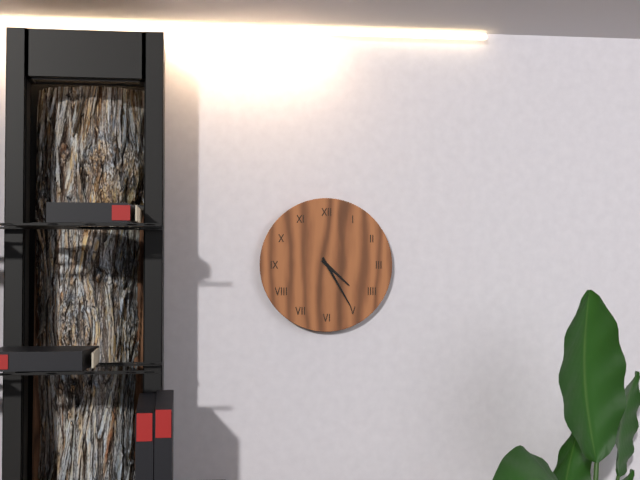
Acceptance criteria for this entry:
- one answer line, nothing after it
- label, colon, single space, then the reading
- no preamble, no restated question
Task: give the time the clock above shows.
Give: 4:25
